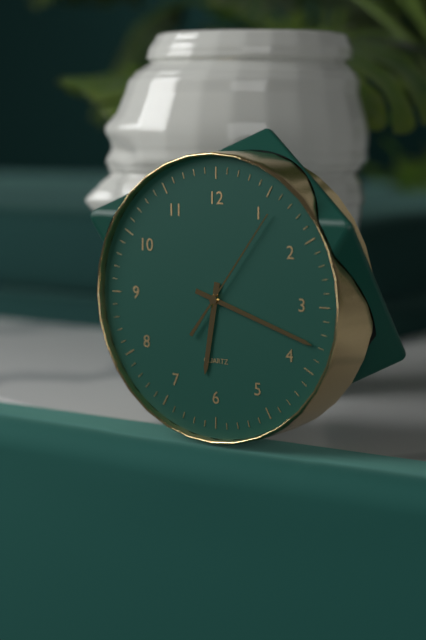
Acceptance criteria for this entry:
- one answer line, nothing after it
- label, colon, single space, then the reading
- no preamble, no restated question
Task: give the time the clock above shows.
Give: 6:18:06
